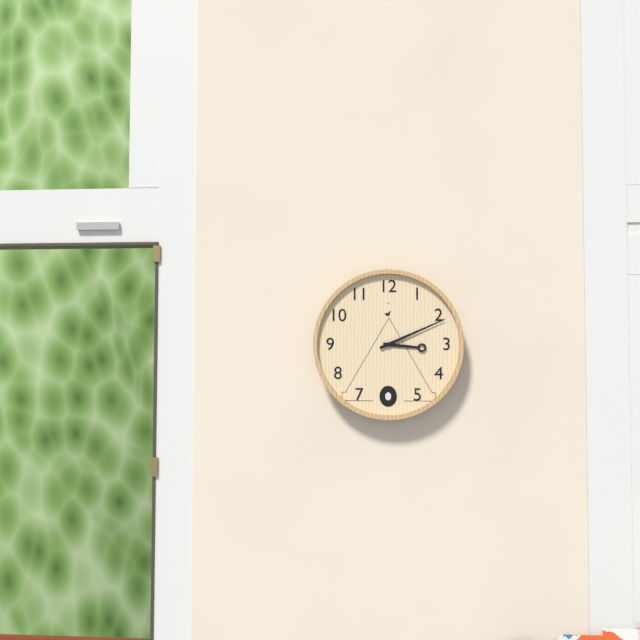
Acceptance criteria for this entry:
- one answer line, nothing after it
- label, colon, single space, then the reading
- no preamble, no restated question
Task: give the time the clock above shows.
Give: 3:11
